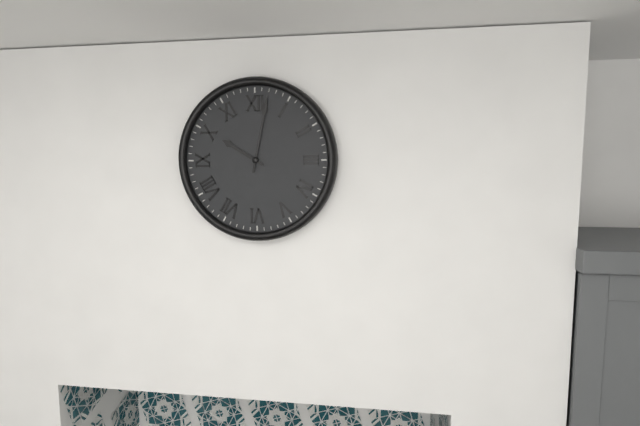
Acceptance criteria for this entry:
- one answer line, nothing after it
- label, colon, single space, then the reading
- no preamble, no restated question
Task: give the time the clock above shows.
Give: 10:02
